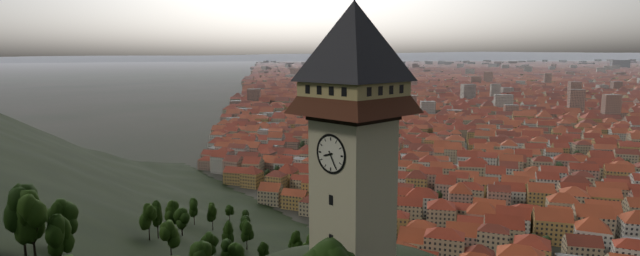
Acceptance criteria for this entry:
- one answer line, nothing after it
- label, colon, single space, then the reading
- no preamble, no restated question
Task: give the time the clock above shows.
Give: 8:25
